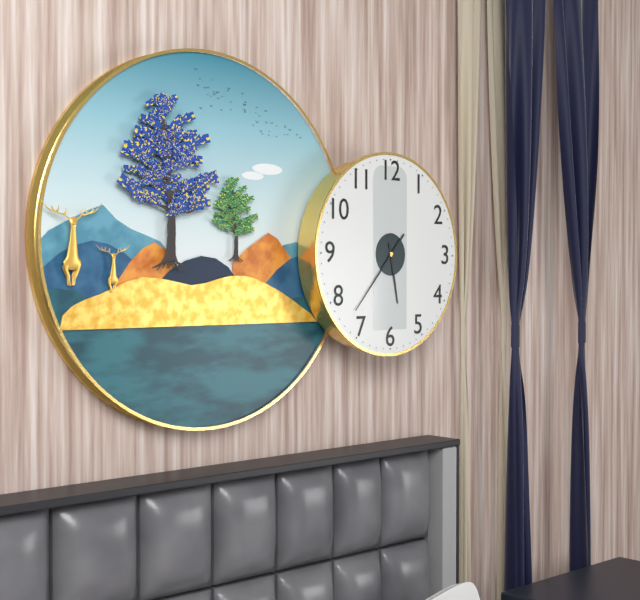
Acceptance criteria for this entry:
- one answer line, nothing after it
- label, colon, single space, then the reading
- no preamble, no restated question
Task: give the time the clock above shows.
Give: 5:37
